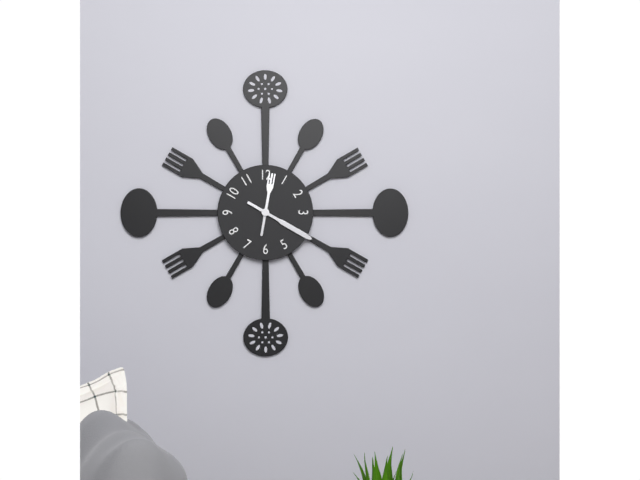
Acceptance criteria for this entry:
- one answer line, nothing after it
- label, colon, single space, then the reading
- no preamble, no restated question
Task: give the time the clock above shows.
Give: 12:20
